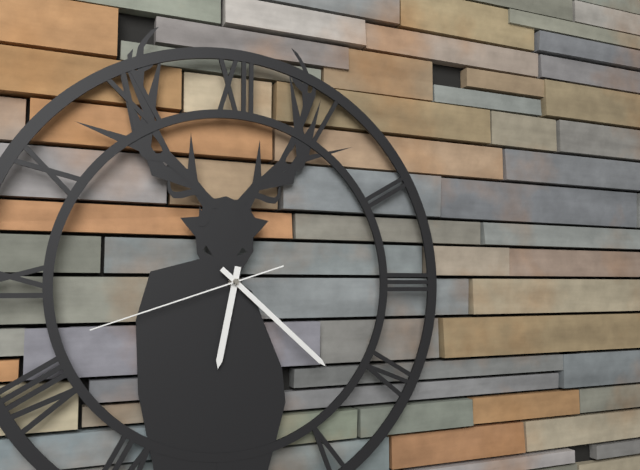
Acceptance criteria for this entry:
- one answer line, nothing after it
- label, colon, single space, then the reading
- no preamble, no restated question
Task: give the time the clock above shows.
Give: 6:22:42
